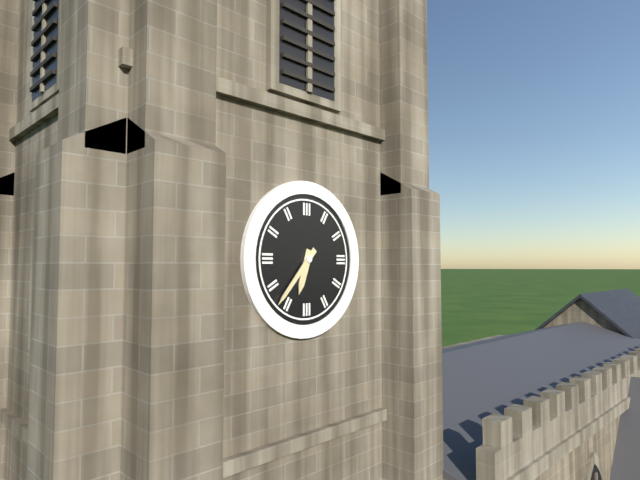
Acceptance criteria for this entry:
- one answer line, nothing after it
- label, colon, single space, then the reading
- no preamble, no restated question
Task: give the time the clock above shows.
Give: 6:37
